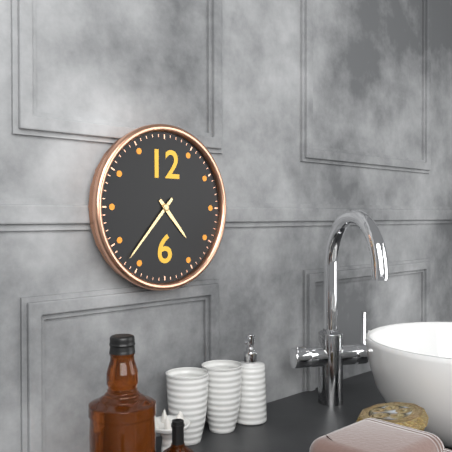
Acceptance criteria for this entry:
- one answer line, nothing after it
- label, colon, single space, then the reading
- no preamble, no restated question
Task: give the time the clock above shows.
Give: 4:37
